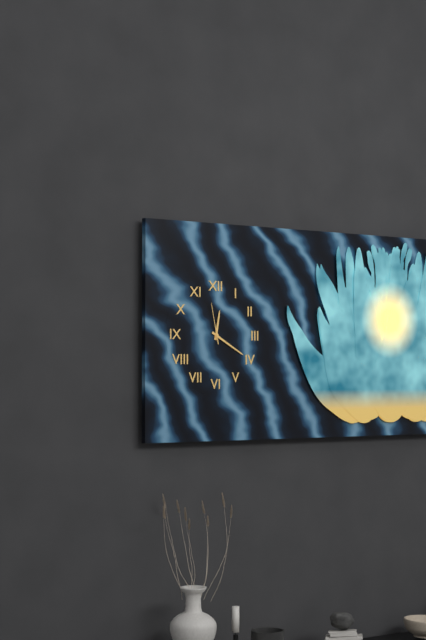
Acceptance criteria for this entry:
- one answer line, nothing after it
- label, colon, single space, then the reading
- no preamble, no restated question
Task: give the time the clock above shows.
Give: 12:20
